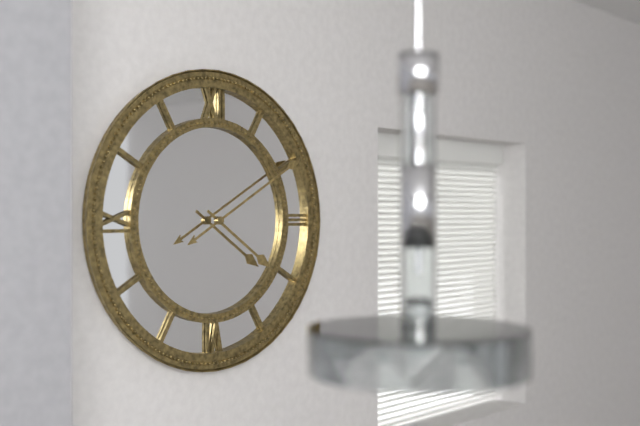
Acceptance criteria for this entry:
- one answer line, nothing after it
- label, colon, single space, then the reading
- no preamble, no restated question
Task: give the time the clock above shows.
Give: 4:10
